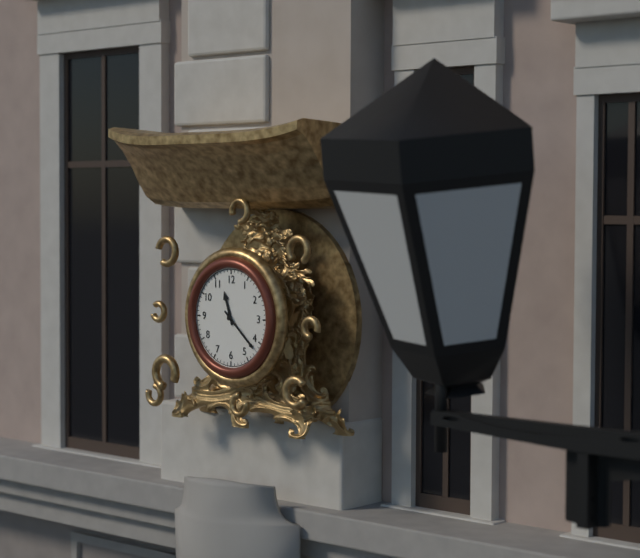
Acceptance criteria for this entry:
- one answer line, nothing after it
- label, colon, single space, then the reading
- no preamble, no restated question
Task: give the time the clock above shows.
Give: 11:22
